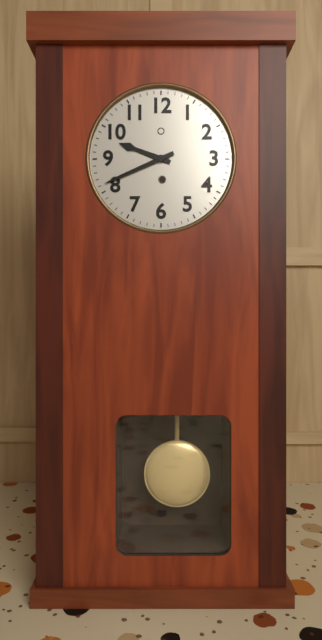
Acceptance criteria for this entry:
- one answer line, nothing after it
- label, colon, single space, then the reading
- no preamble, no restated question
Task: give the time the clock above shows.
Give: 9:41
